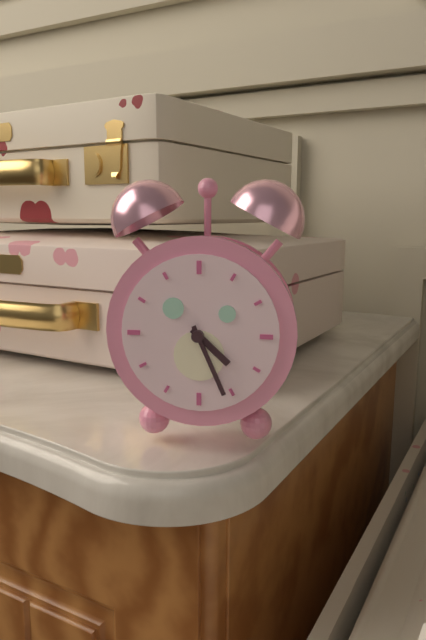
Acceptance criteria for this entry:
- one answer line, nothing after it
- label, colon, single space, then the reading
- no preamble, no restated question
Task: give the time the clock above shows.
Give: 4:26
